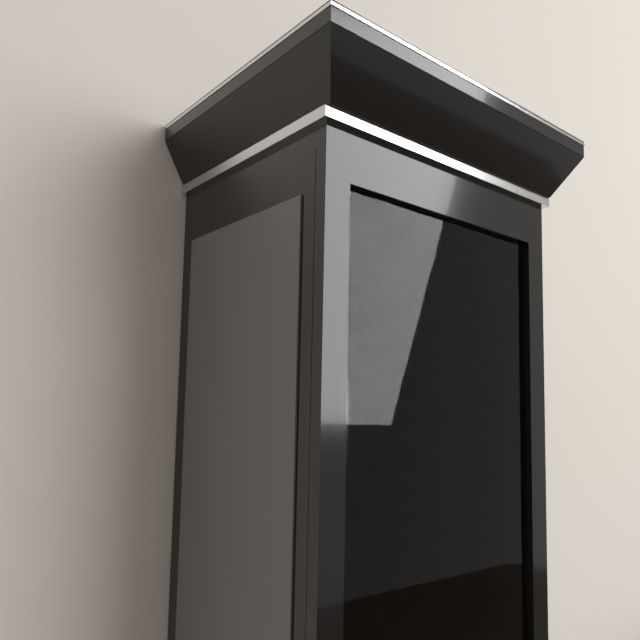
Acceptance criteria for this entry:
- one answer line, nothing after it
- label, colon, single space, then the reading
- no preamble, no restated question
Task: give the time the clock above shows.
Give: 2:35
